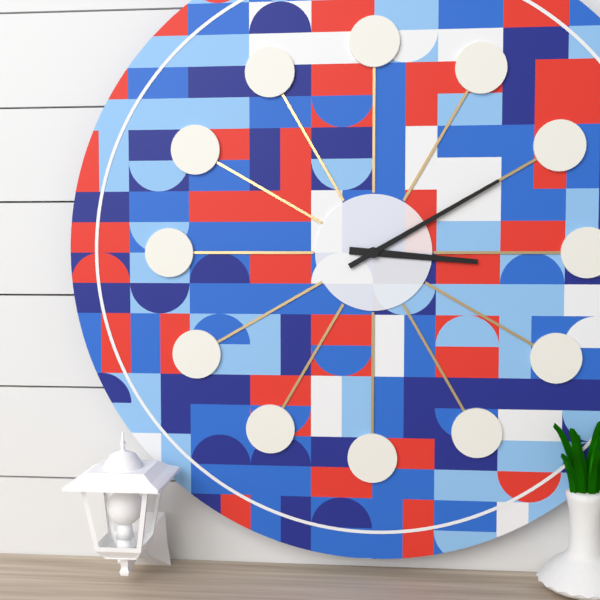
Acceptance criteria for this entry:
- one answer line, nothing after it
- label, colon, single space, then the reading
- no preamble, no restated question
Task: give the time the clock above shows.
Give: 3:10
